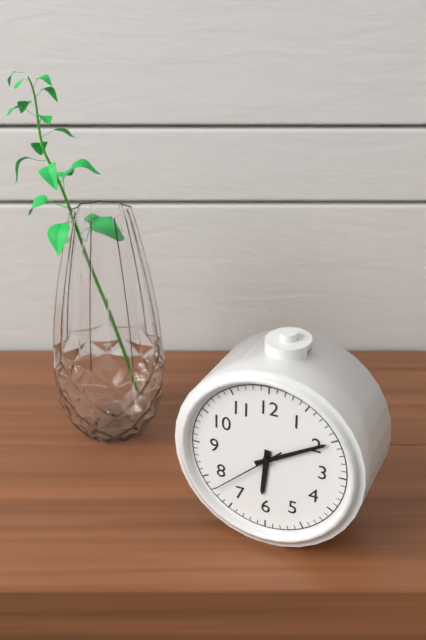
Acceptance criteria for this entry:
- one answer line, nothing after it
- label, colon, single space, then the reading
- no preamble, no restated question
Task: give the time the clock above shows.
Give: 6:10:38
